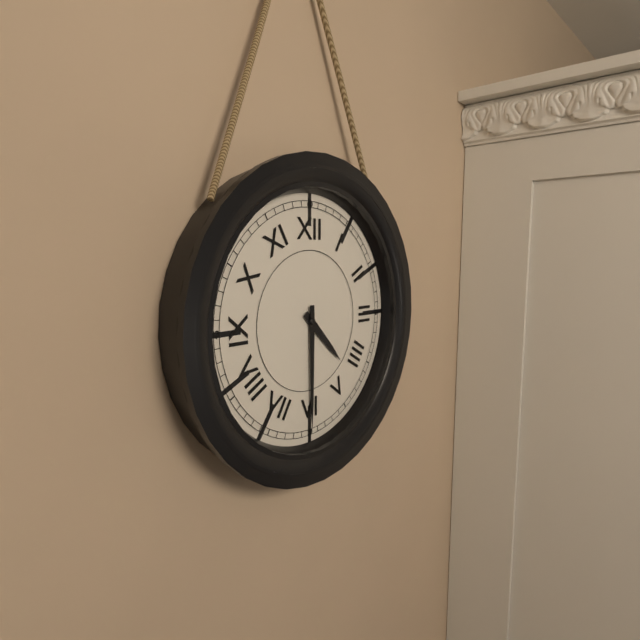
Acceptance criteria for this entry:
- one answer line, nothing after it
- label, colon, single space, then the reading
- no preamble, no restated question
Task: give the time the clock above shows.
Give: 4:30
